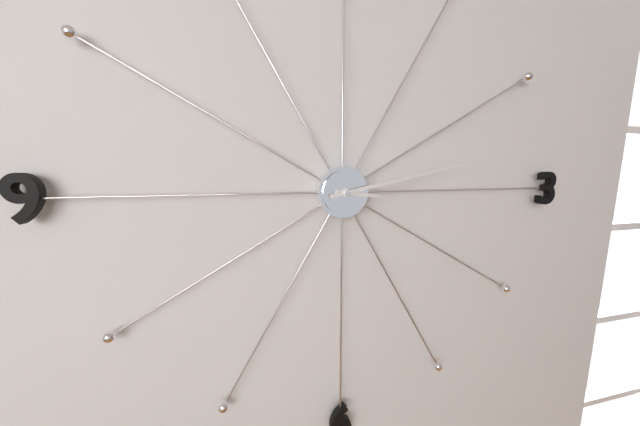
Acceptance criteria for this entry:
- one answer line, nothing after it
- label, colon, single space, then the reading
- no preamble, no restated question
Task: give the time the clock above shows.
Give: 3:13
